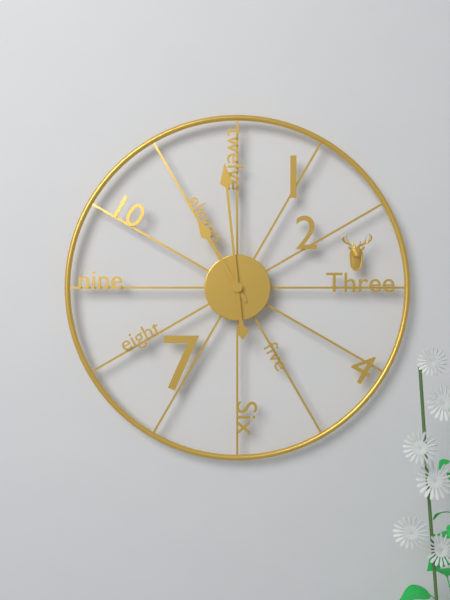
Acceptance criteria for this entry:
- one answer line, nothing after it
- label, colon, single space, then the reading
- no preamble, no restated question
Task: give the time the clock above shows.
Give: 10:59
